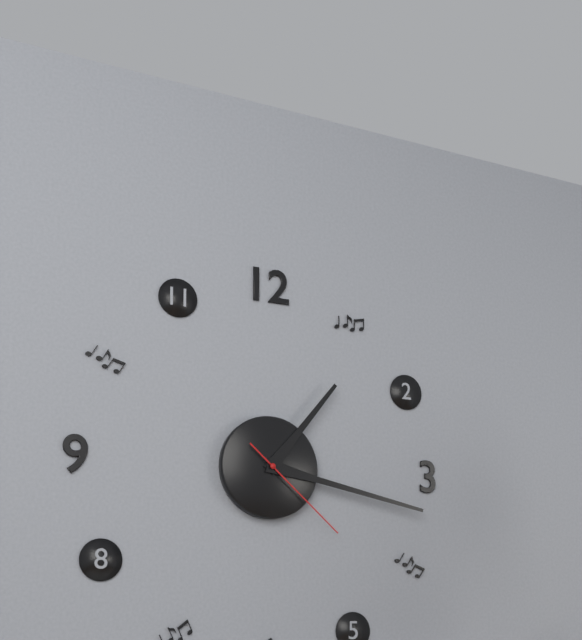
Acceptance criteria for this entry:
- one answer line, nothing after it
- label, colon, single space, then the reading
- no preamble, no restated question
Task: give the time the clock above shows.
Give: 1:17:22
